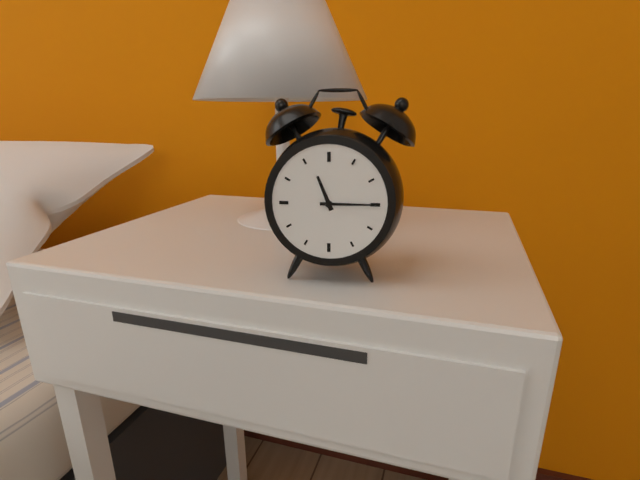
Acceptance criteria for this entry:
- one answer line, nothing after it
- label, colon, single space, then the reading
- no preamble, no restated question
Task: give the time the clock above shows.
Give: 11:15
